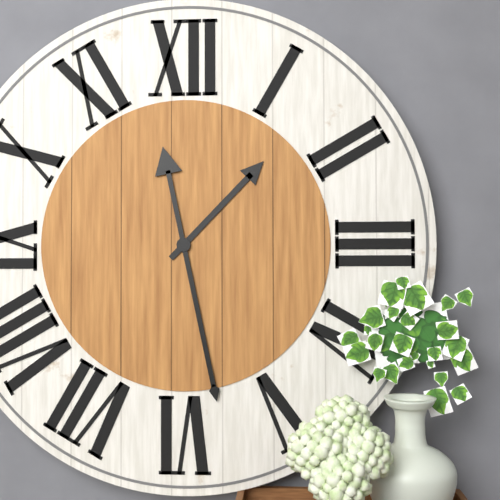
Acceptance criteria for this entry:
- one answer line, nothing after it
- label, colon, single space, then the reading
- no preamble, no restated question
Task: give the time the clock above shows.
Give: 1:28
